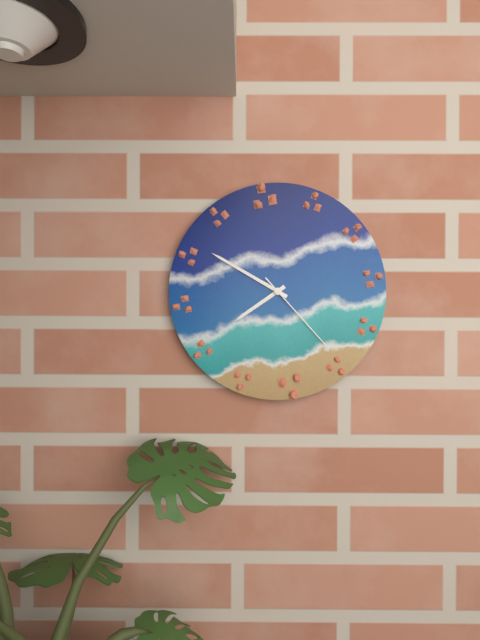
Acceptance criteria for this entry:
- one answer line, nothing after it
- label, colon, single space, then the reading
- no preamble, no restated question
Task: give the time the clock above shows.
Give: 7:50:23
